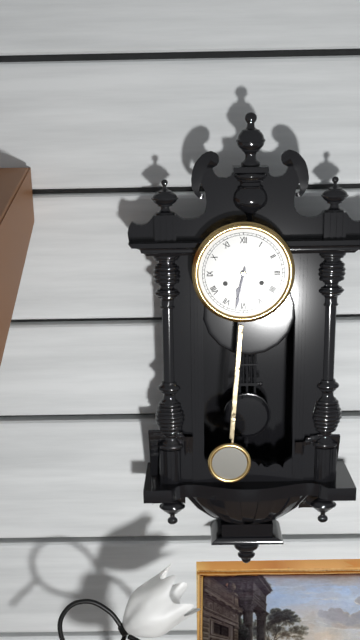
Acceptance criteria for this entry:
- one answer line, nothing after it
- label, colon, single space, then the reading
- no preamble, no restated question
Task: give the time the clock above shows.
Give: 6:32
